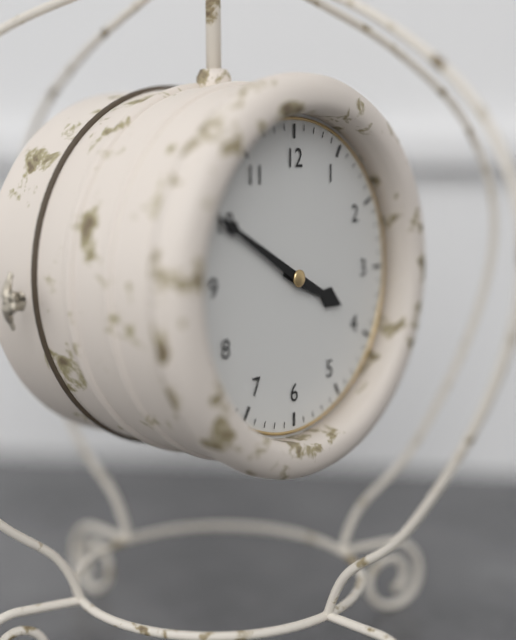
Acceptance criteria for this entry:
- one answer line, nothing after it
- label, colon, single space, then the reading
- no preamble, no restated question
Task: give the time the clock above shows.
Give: 3:50
